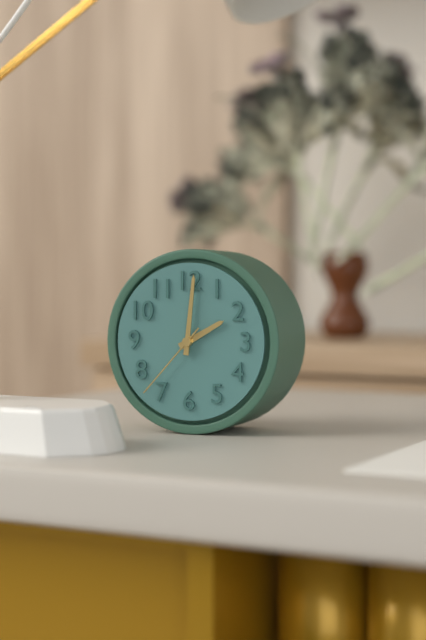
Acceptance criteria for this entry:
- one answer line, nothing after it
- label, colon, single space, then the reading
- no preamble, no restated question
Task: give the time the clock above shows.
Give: 2:01:37
